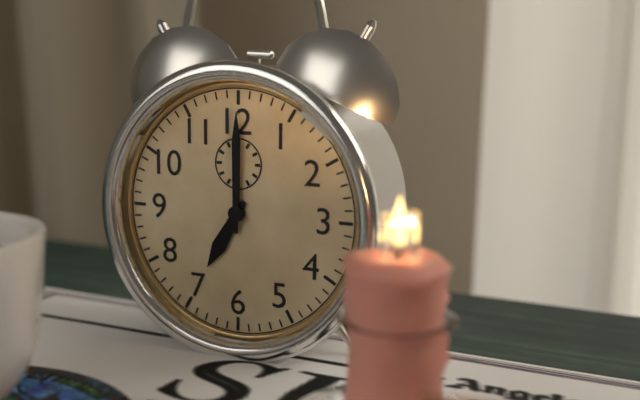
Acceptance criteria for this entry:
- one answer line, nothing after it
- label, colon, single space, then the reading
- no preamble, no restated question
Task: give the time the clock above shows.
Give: 7:00
